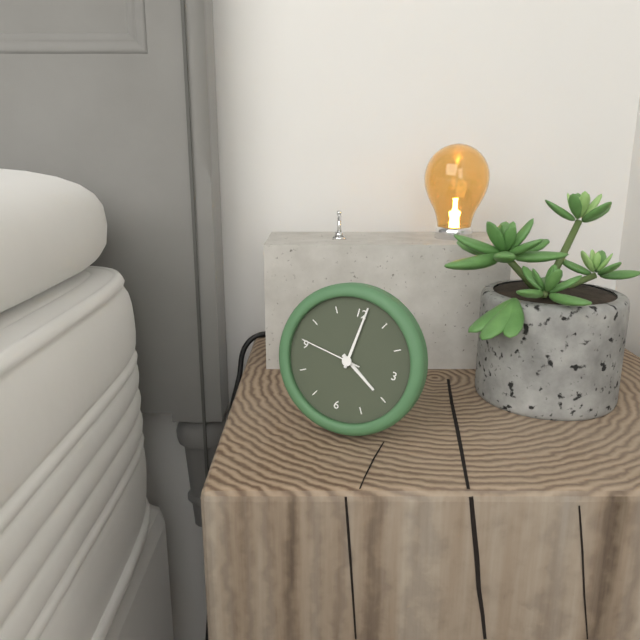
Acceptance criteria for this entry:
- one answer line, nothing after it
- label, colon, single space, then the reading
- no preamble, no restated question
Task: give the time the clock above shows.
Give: 4:01:46
